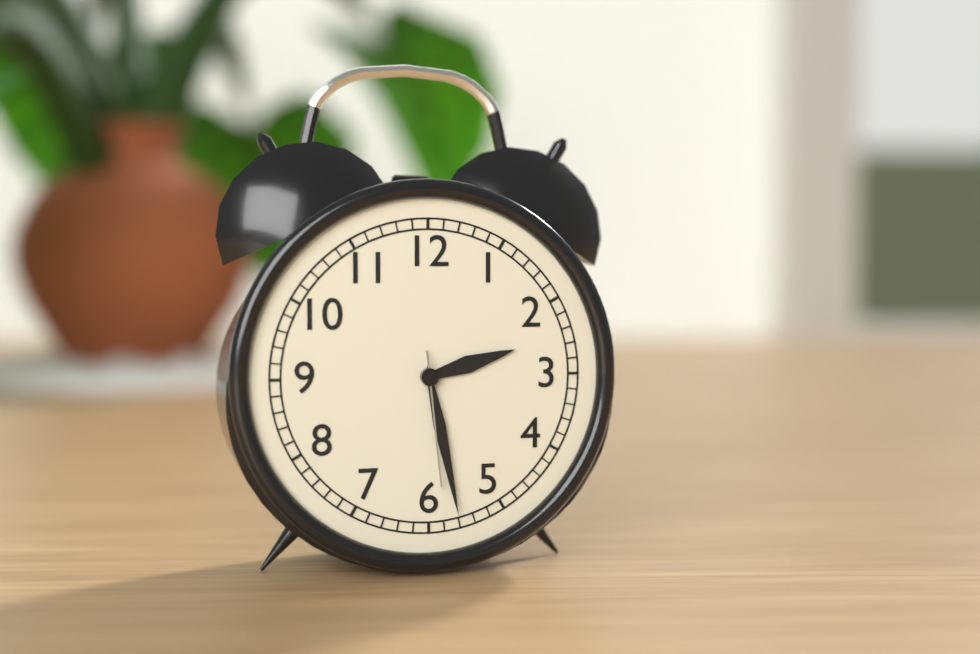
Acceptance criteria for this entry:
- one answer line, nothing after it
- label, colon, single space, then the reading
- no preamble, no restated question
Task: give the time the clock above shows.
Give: 2:28:29
